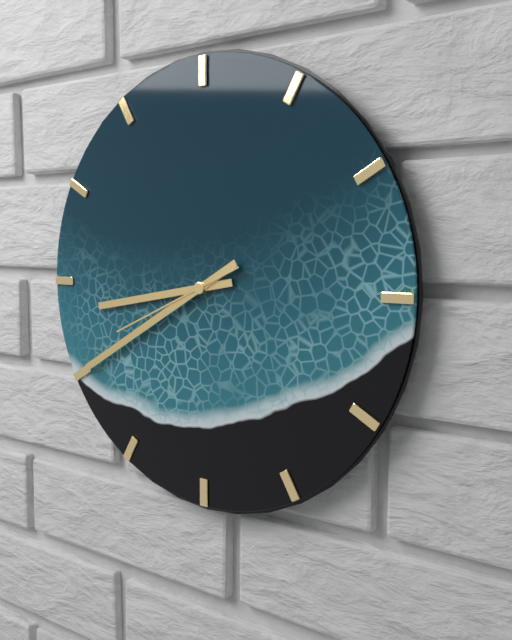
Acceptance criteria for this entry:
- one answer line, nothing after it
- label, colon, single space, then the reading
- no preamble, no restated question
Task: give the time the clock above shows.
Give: 8:40:41
